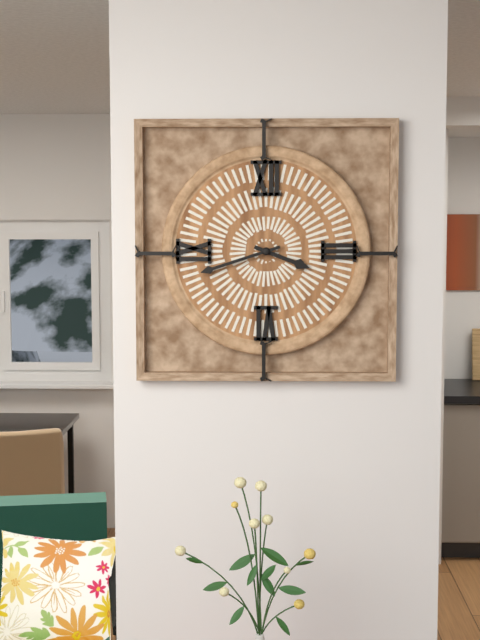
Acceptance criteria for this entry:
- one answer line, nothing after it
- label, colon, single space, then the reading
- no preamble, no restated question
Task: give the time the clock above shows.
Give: 3:42
